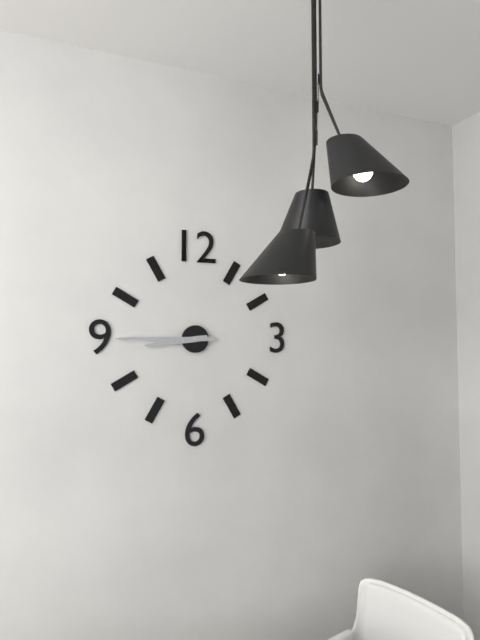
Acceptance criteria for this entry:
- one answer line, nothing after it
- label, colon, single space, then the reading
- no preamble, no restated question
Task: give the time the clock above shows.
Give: 8:45
